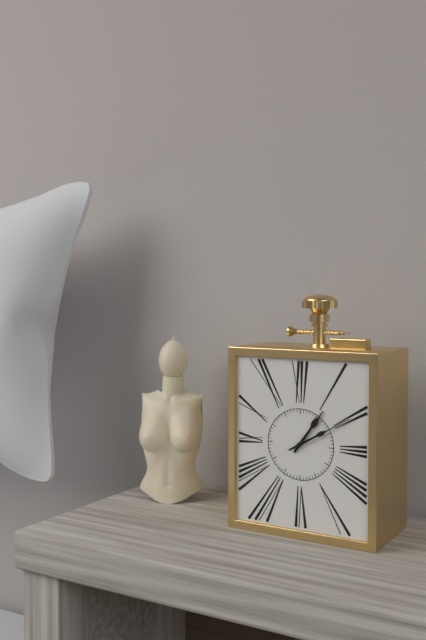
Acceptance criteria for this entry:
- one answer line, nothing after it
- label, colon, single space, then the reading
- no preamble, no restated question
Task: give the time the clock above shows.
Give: 1:10
